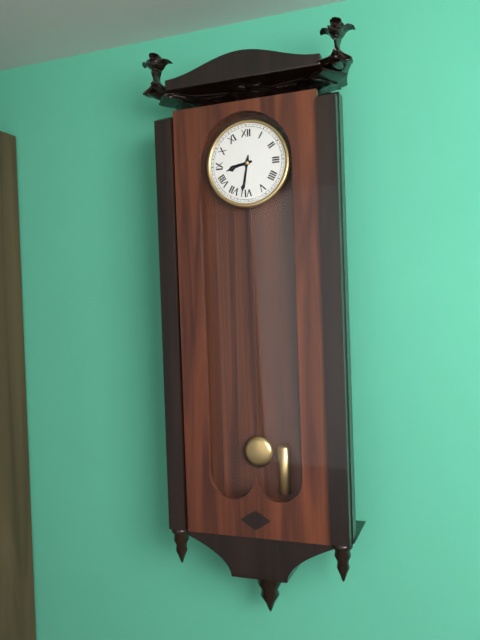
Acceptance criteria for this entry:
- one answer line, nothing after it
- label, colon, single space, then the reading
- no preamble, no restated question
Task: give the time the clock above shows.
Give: 8:32
